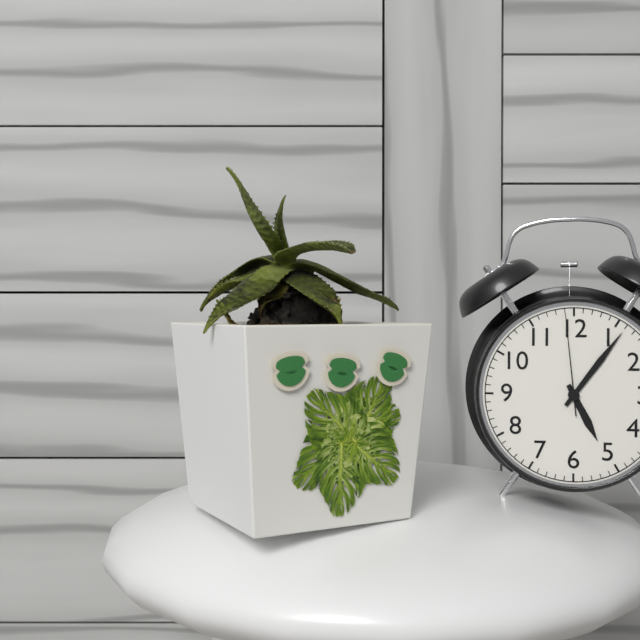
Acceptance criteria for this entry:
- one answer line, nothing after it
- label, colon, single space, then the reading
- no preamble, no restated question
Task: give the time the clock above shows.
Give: 5:06:59
